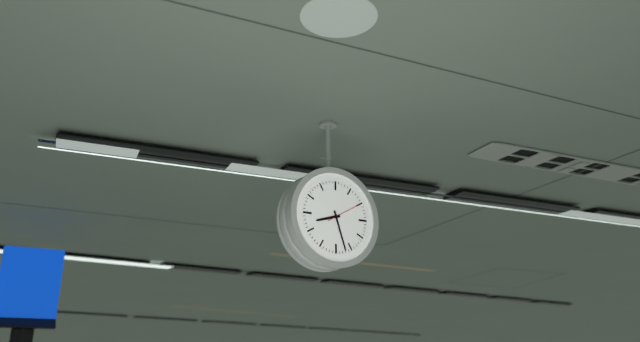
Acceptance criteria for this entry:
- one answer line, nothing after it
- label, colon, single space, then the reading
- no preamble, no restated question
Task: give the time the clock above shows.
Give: 8:27
